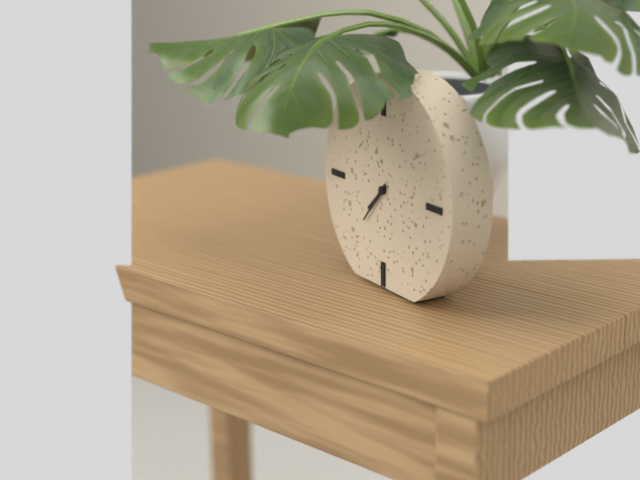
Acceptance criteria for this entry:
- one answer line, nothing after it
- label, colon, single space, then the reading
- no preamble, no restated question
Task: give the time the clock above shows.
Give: 7:37
